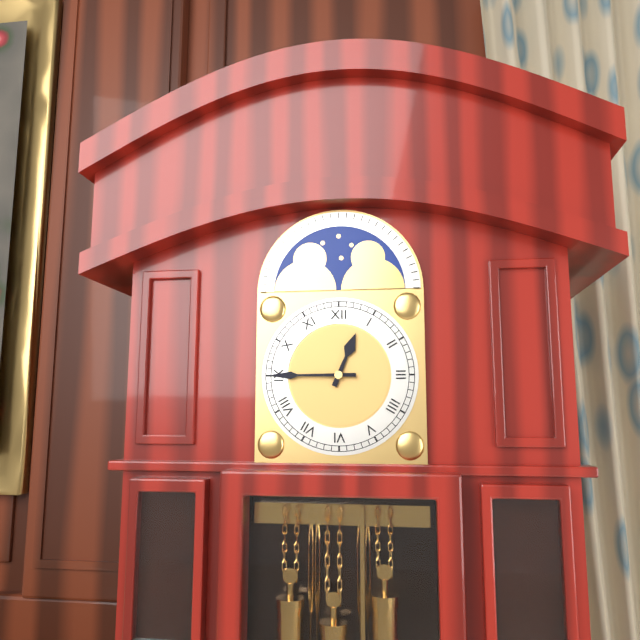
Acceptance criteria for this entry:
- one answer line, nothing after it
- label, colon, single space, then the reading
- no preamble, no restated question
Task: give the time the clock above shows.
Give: 12:45
